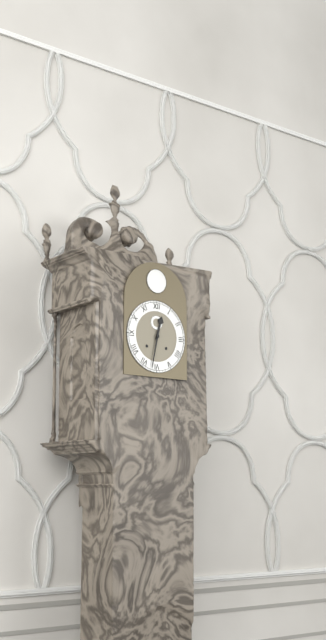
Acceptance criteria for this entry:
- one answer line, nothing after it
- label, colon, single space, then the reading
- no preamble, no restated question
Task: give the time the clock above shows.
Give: 12:32
